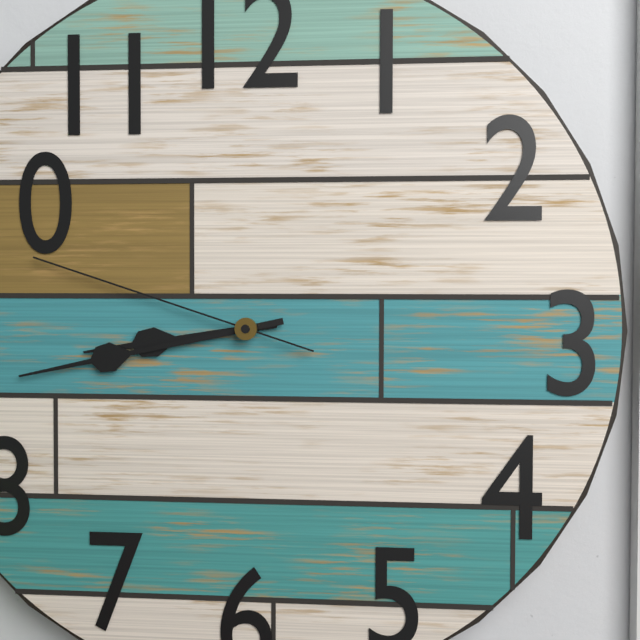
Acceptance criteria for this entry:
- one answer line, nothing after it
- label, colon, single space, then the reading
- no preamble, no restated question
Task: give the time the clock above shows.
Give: 8:43:48
